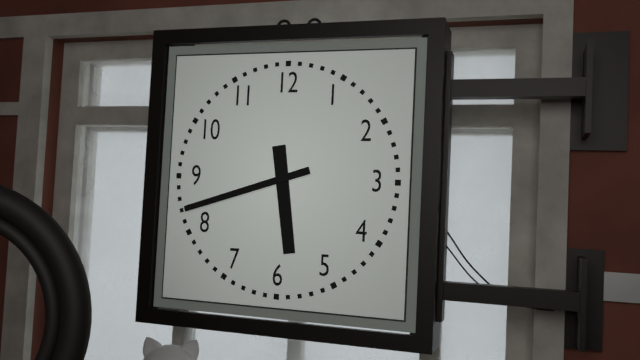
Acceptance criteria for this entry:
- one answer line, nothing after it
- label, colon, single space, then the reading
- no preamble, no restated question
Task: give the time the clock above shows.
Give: 5:42
